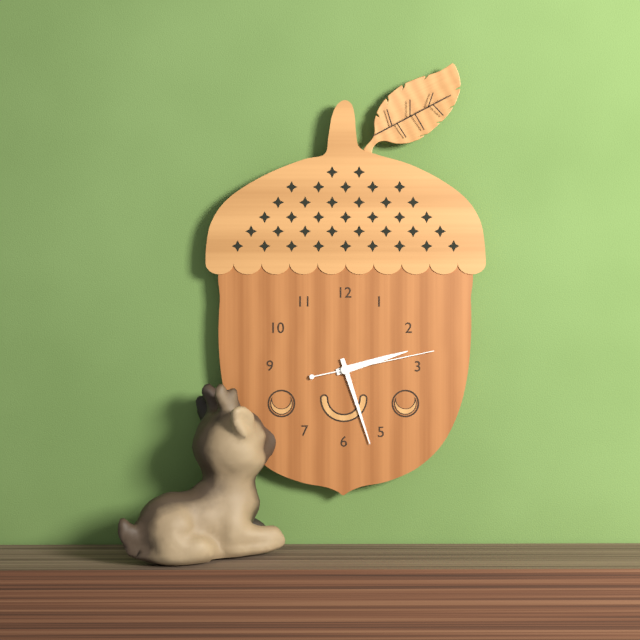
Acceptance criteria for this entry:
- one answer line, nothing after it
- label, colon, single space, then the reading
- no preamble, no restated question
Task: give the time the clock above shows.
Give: 2:27:13
